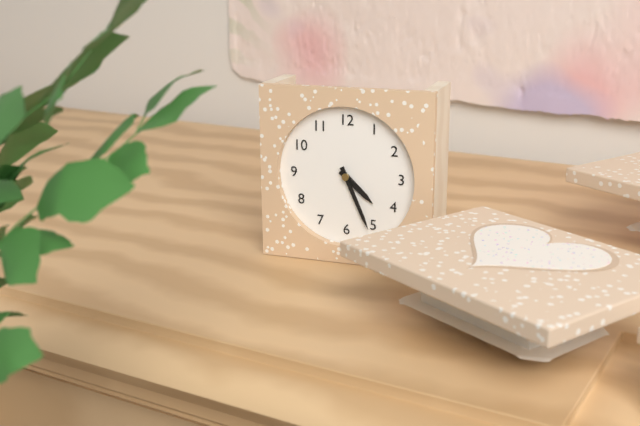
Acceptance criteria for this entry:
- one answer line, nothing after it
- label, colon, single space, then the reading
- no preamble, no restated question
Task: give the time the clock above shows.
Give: 4:26
